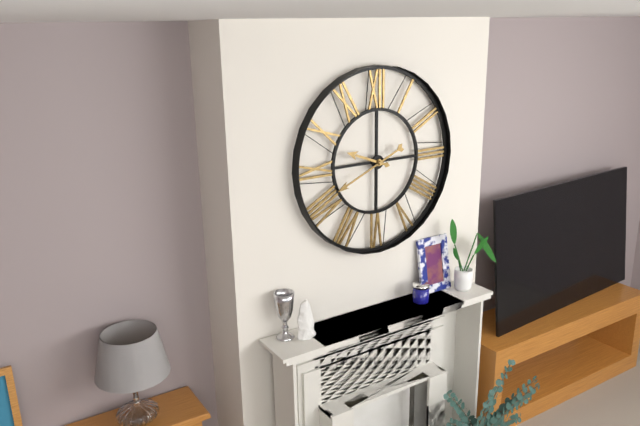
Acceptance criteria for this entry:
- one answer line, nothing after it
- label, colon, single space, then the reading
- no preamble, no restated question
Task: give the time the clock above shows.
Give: 9:41
